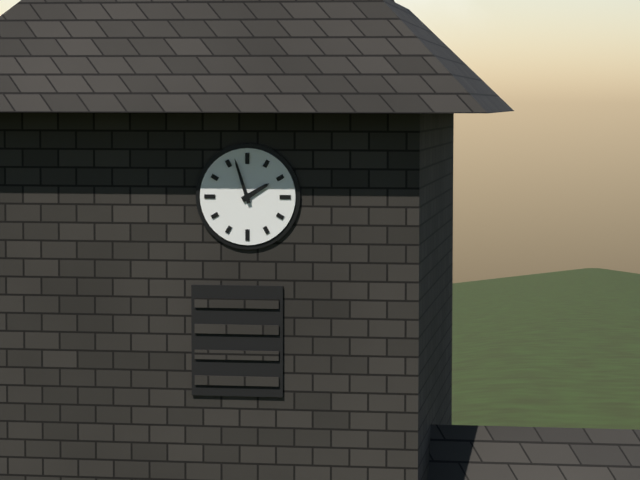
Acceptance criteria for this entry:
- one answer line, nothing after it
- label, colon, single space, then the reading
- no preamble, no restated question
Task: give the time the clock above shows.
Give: 1:57
